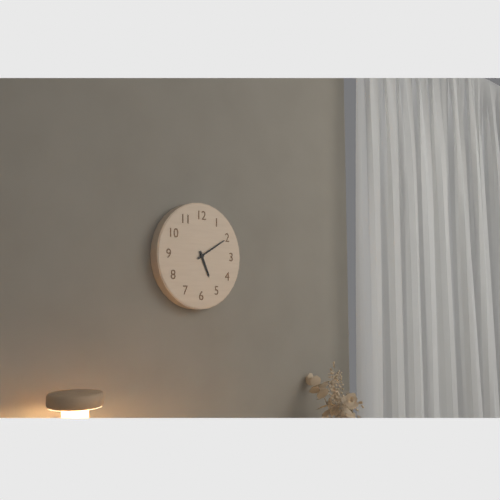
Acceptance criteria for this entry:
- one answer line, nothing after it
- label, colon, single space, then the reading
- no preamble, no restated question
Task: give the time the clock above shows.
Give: 5:10
